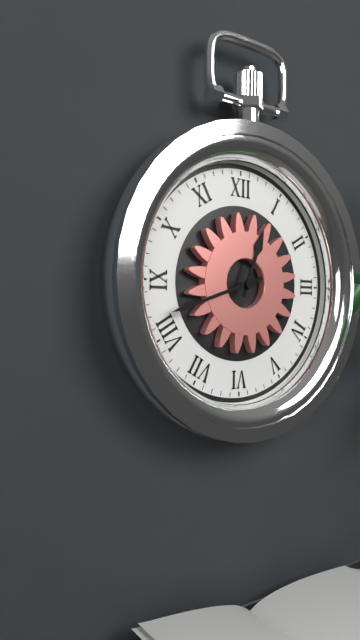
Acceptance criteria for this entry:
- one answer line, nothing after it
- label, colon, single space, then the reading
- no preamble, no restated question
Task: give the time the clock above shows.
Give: 12:42
